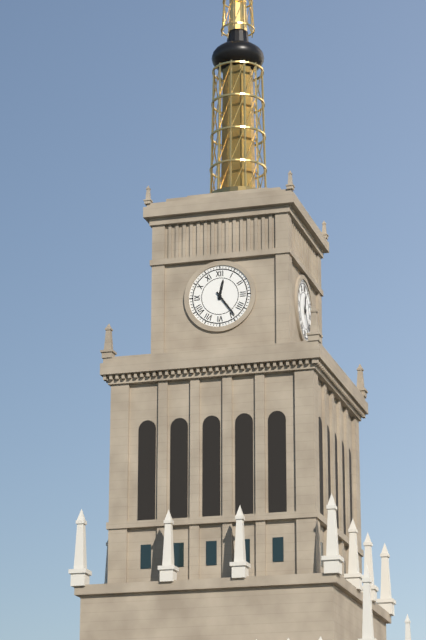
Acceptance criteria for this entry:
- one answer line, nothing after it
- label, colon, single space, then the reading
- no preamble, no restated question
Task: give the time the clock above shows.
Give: 12:24
